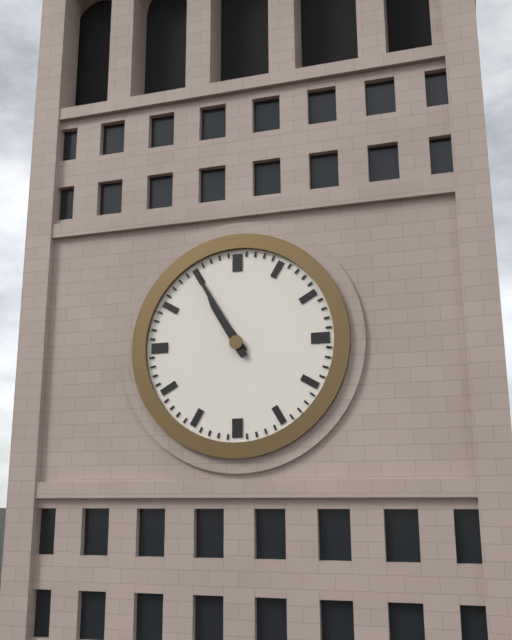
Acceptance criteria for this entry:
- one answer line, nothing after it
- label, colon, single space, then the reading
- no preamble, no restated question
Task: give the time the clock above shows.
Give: 10:55
